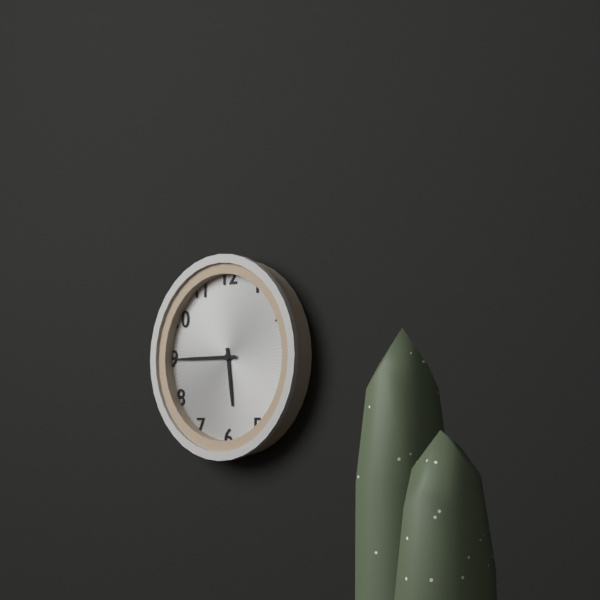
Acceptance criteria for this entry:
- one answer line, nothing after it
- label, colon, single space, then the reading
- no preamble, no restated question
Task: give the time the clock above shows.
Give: 5:45
